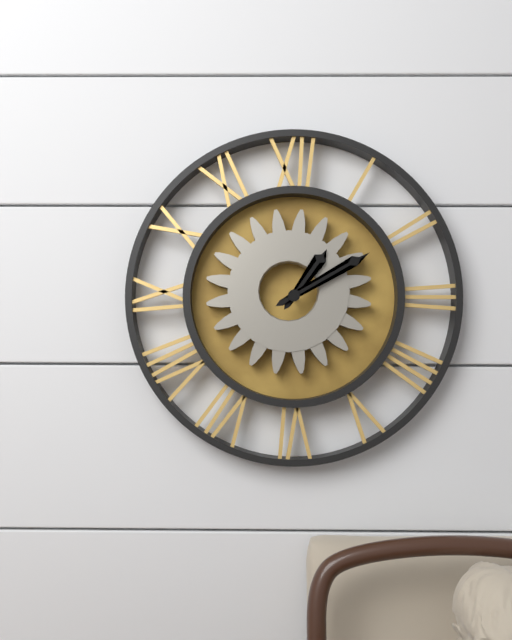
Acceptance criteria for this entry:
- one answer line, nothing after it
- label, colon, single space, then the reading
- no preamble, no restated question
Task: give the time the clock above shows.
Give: 1:10
